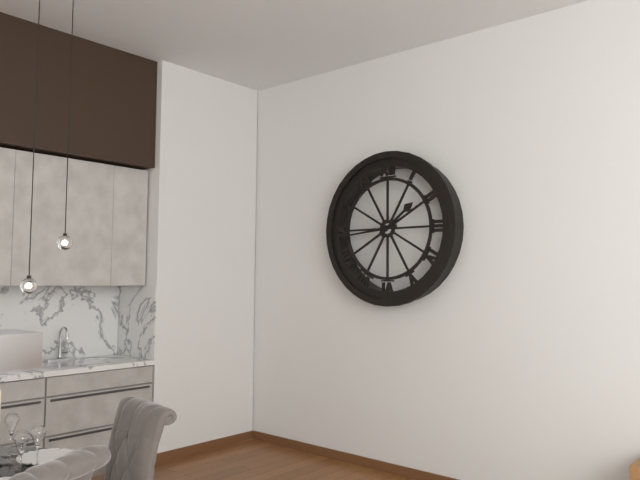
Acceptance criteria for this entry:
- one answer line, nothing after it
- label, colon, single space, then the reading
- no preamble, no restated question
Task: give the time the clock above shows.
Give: 1:44
